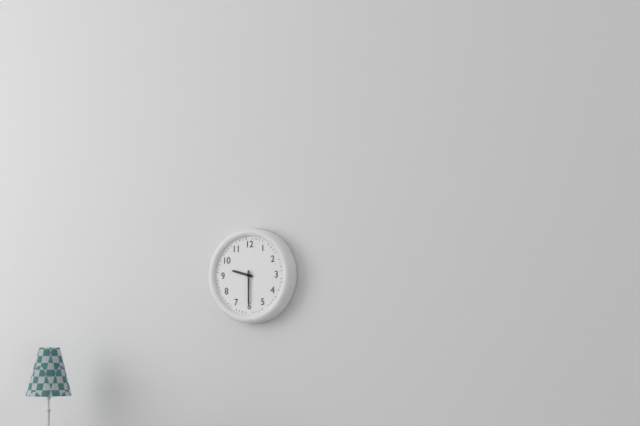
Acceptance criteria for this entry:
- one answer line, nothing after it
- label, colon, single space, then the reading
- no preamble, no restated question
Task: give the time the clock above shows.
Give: 9:30
